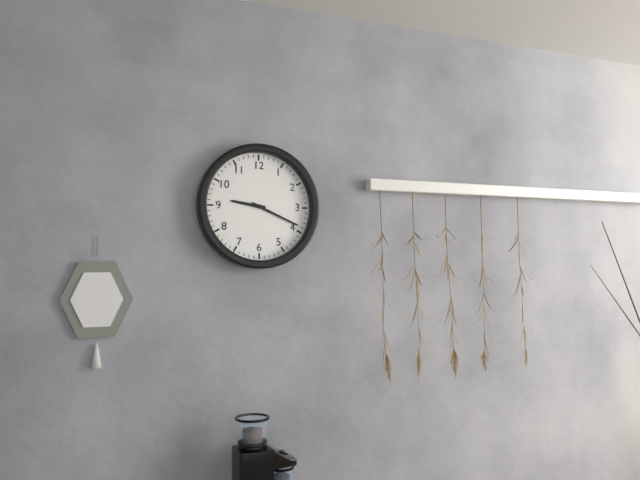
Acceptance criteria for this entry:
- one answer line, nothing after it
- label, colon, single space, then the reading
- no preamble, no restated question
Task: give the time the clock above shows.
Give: 9:19
